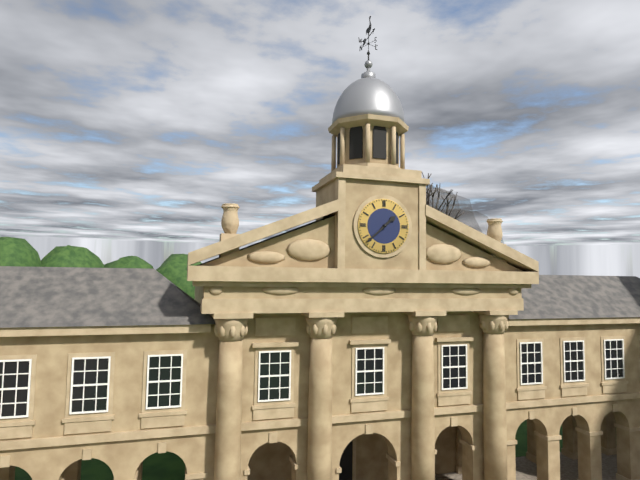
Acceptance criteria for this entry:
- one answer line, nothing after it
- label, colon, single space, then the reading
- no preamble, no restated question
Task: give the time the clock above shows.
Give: 1:38
